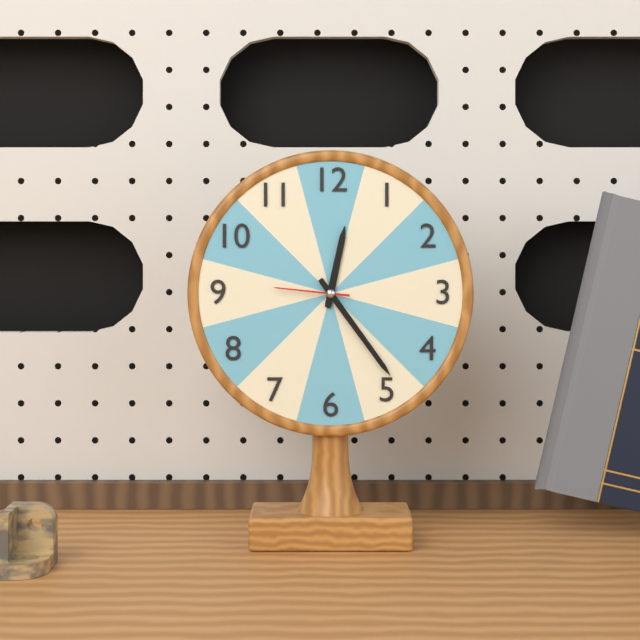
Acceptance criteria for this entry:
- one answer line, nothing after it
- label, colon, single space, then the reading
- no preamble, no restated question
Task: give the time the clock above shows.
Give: 12:24:46
